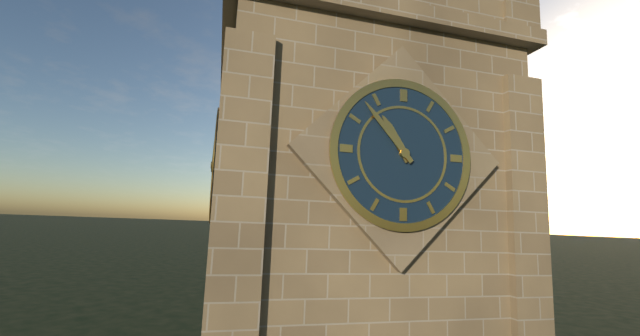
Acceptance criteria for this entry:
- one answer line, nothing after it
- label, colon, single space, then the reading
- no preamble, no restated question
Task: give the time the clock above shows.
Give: 10:53
